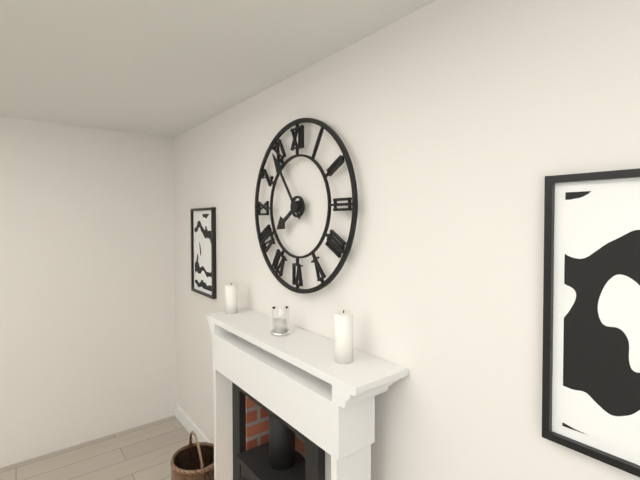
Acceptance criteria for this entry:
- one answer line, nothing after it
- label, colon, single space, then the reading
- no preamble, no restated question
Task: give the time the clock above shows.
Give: 7:54
